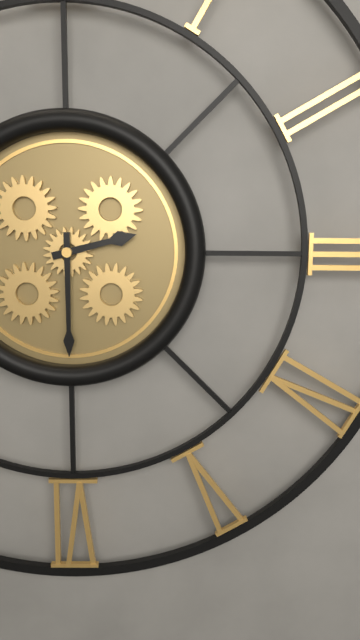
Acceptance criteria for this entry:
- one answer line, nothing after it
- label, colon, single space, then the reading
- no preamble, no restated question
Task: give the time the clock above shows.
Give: 2:30
